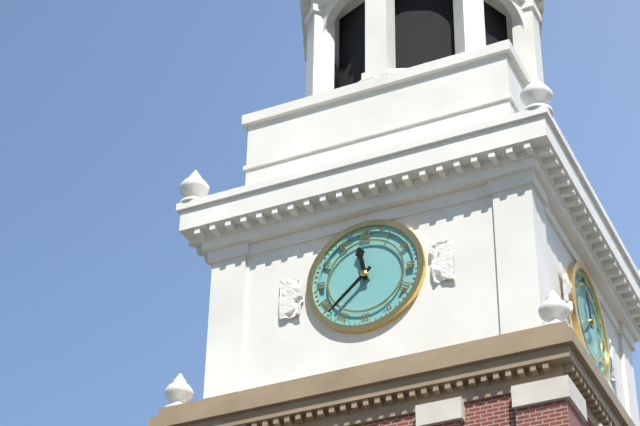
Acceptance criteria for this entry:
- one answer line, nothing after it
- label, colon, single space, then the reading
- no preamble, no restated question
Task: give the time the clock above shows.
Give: 11:38
